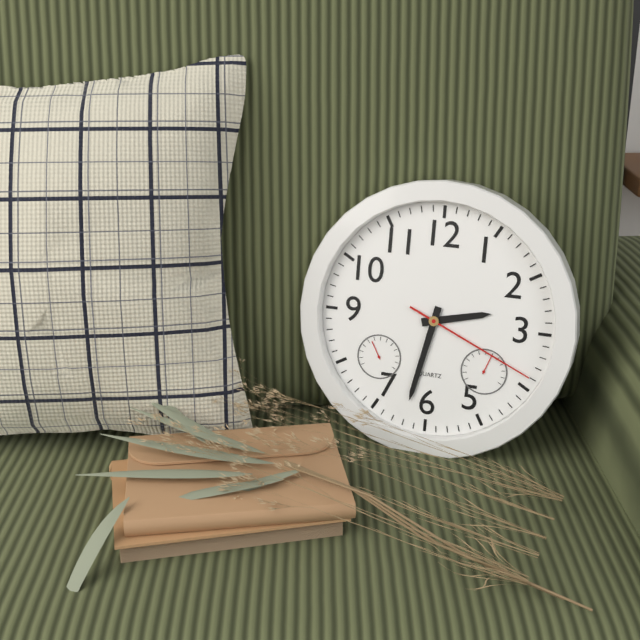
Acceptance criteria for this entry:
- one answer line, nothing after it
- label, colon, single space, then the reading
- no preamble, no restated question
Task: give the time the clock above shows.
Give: 2:32:19
